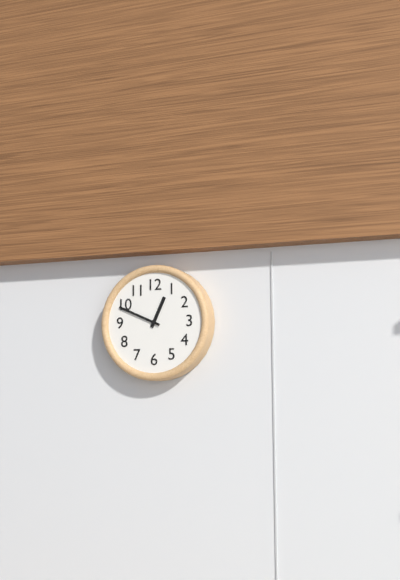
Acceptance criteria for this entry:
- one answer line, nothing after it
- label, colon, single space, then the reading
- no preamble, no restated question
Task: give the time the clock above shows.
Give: 12:49
